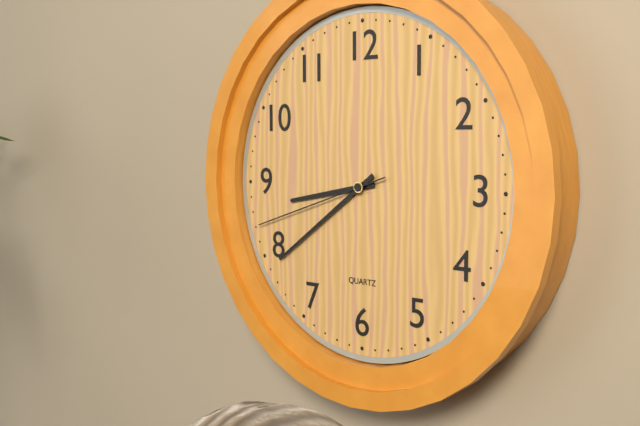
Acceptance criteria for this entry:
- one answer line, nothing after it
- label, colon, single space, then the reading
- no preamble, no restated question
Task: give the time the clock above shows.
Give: 8:39:42
